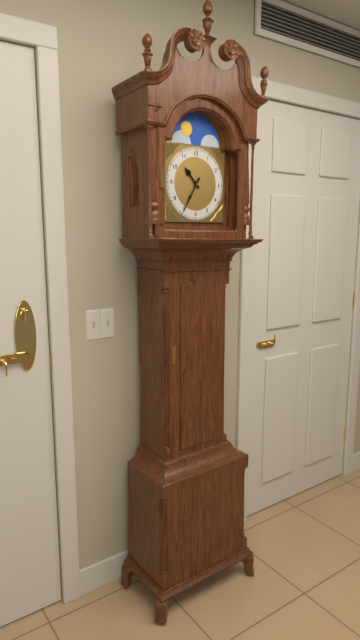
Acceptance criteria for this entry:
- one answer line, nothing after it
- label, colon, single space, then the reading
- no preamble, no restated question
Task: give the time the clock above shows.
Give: 10:35
